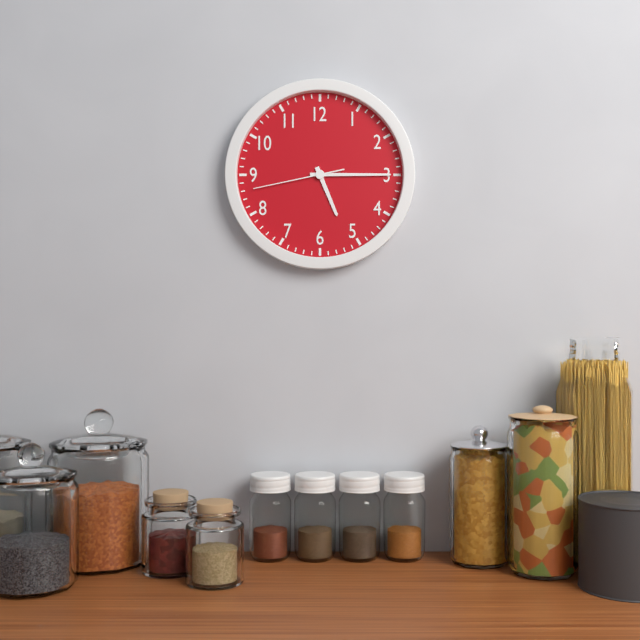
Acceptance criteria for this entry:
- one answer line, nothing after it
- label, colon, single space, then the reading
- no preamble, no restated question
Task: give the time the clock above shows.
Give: 5:15:43
